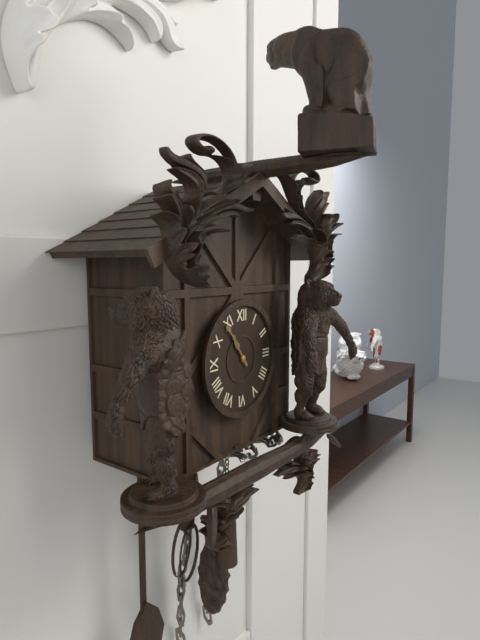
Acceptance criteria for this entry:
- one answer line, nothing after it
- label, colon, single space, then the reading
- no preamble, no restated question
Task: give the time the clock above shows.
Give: 10:54
